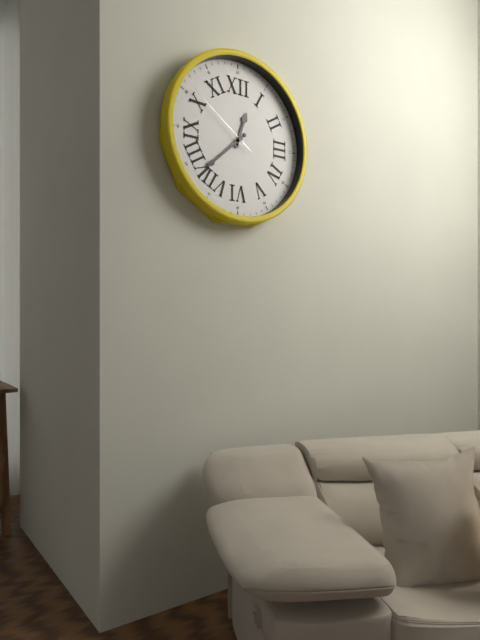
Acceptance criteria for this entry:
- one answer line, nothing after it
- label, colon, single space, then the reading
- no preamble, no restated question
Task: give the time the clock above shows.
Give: 12:38:51
